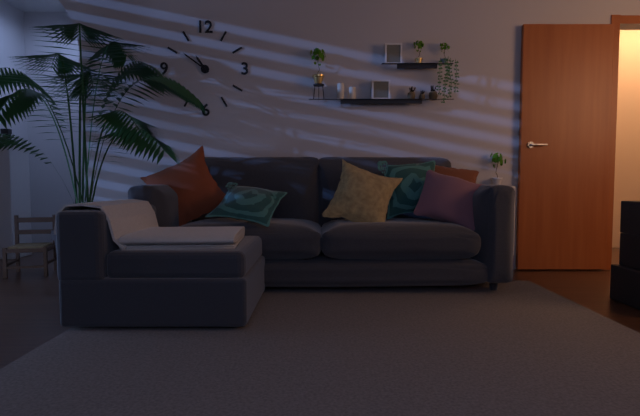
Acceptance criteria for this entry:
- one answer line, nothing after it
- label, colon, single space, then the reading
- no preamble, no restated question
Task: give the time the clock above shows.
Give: 10:51
